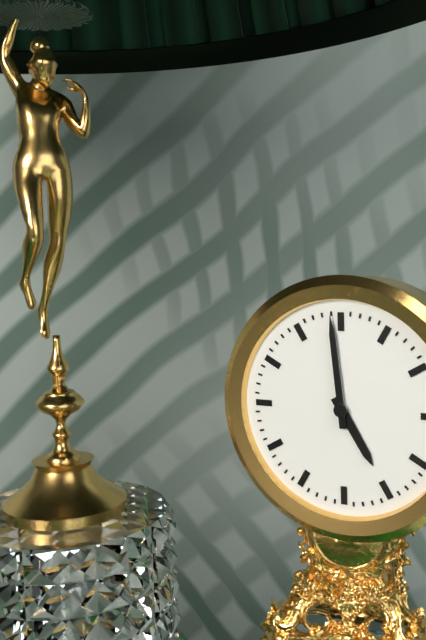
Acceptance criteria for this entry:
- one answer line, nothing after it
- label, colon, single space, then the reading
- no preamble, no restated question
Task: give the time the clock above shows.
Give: 4:59
